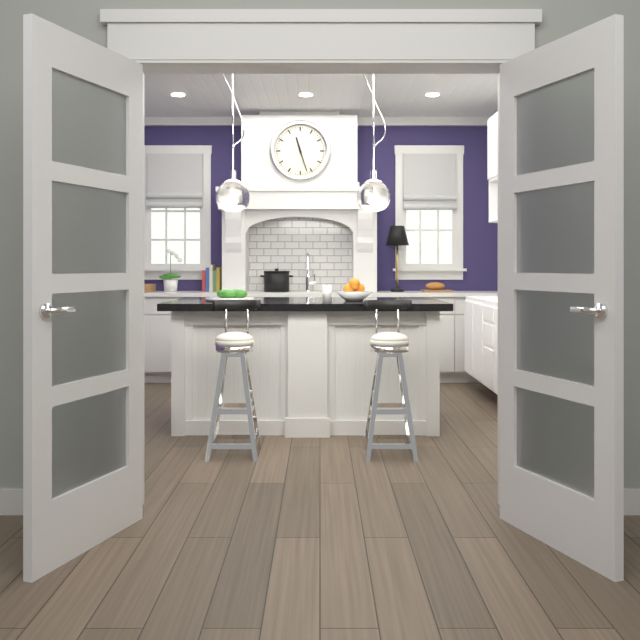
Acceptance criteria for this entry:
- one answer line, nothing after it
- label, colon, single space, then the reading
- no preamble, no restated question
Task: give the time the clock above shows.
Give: 11:27
